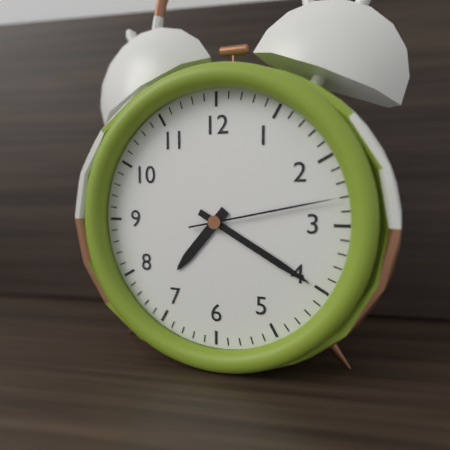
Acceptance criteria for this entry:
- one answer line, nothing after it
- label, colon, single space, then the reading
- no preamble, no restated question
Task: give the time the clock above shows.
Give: 7:20:13
